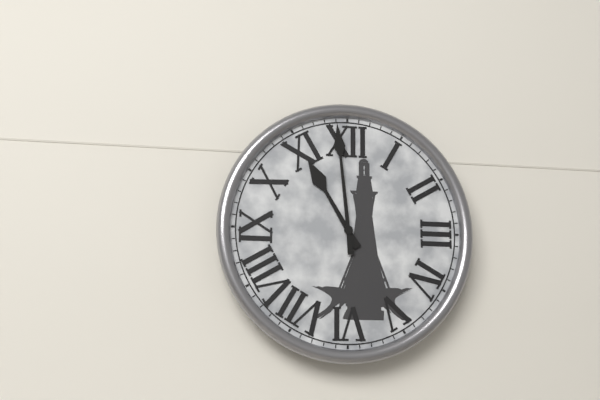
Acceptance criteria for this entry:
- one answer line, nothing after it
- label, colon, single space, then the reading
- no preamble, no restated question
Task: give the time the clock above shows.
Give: 10:59
